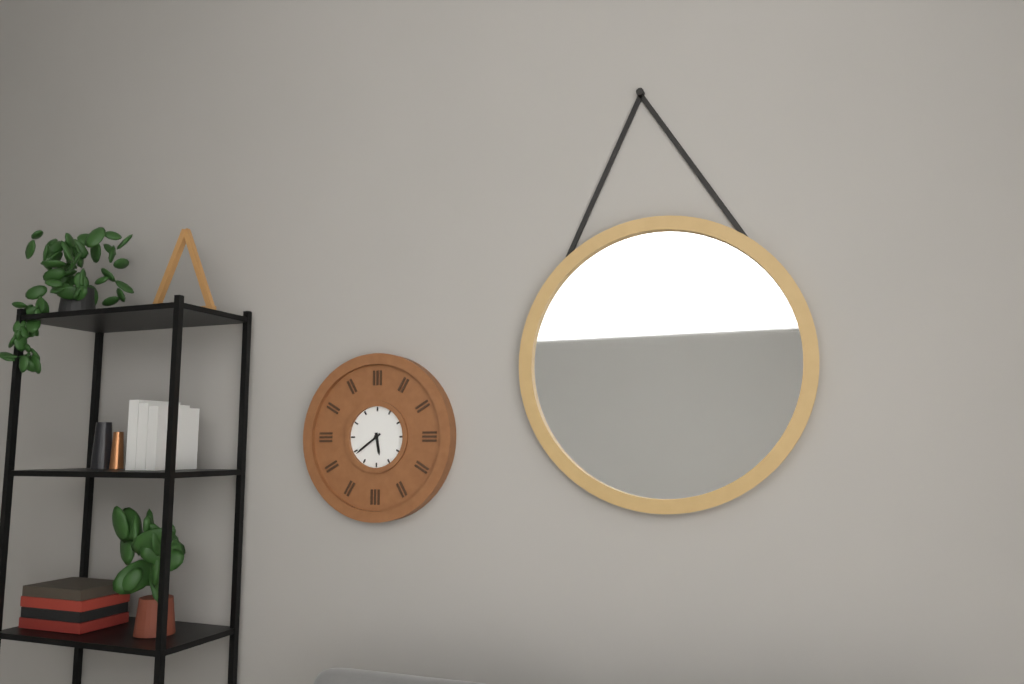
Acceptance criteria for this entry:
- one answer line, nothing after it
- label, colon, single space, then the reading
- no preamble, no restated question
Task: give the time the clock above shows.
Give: 5:39
